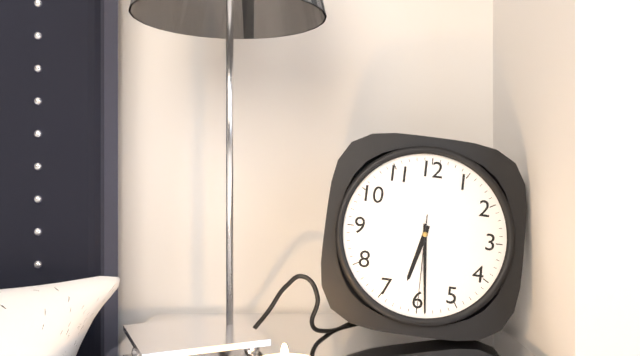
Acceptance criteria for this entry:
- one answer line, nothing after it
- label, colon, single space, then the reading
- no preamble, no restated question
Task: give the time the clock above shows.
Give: 6:29:30
